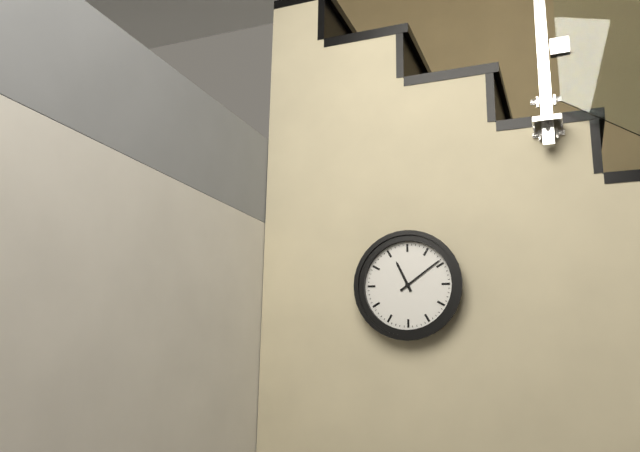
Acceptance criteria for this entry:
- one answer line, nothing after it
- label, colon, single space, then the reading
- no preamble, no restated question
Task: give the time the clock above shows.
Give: 11:09
